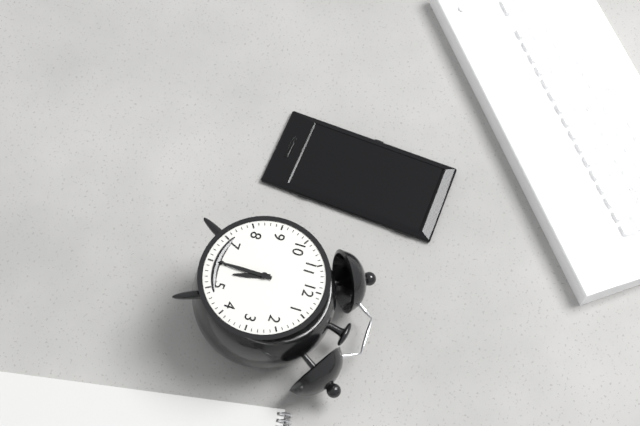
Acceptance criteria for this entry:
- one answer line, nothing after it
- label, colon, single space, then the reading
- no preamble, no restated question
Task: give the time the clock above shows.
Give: 5:30
